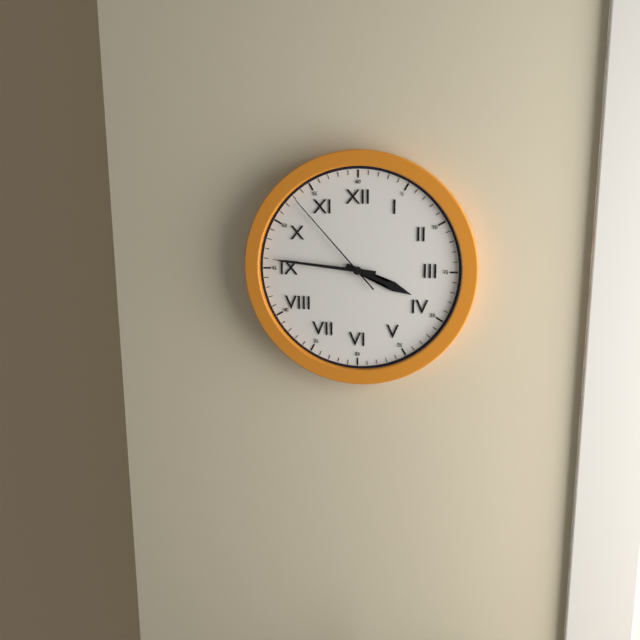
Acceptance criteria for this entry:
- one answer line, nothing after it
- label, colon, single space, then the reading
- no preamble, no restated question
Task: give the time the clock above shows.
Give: 3:46:53
